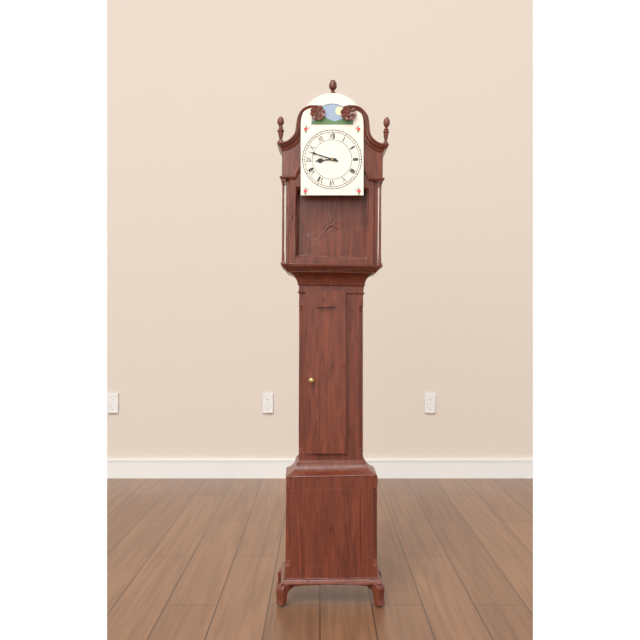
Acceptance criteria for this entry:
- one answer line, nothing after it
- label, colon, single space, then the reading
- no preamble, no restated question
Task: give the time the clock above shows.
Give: 8:48
